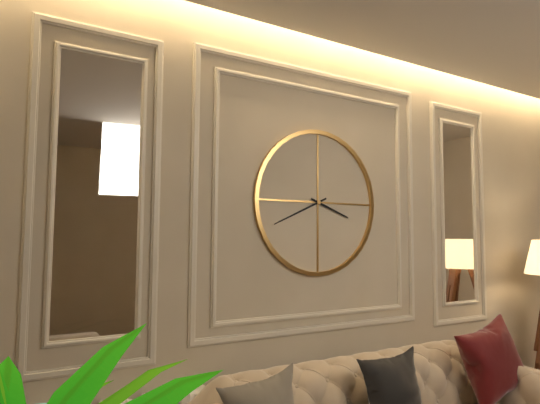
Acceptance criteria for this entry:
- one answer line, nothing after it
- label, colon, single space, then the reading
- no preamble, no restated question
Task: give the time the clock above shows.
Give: 3:41
